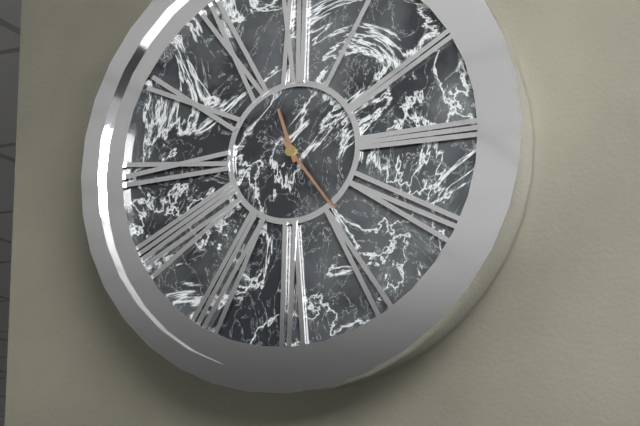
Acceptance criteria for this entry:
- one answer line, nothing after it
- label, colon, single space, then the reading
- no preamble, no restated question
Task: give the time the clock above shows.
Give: 11:24
